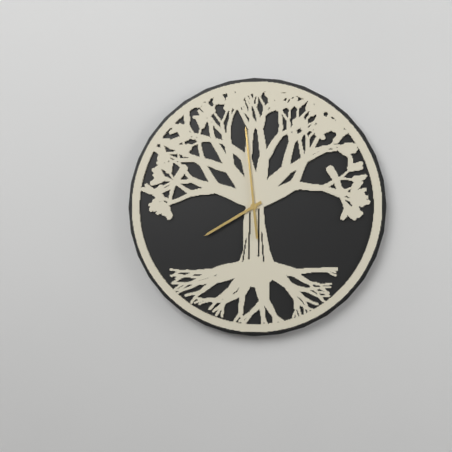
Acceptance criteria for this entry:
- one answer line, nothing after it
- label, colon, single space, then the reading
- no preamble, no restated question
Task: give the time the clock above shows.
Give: 7:59
